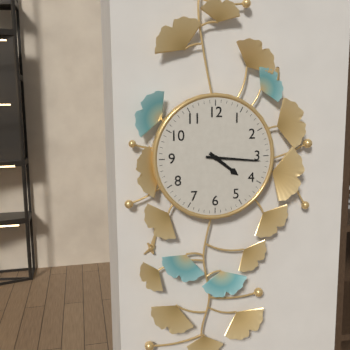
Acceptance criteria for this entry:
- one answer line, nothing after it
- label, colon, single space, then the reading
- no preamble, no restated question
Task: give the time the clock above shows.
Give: 4:16
